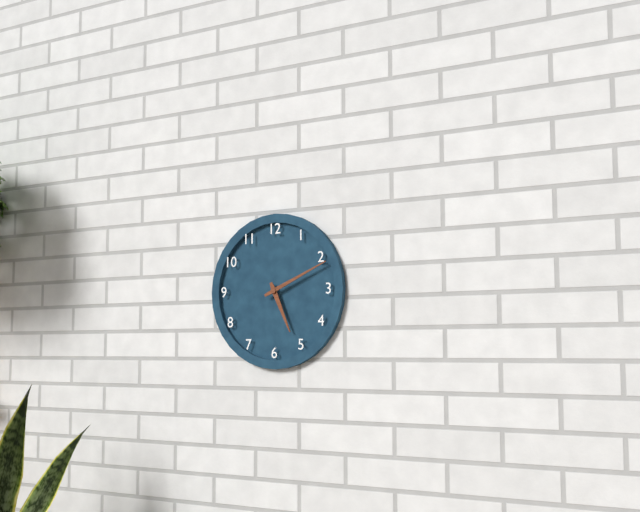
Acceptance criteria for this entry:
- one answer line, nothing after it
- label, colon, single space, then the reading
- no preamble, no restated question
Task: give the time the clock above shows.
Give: 5:11
